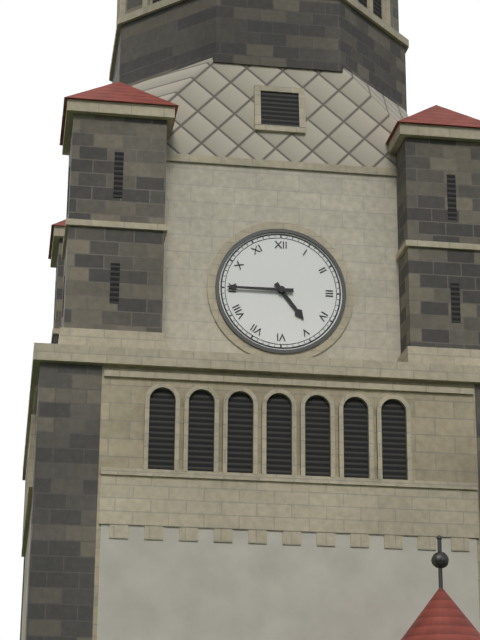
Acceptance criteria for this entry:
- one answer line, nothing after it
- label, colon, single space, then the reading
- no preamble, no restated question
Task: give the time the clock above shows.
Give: 4:45
